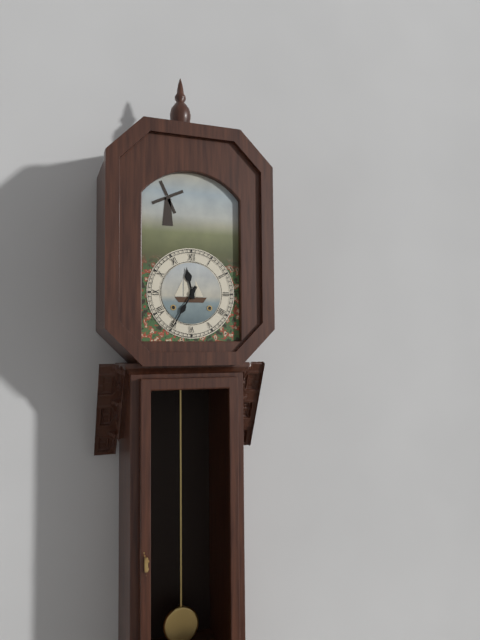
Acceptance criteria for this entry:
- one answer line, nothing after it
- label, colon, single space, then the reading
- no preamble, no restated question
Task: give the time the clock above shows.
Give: 11:35
